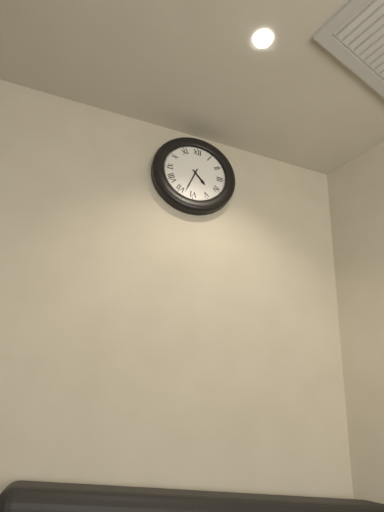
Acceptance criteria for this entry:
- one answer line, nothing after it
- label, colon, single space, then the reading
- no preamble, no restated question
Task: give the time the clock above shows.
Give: 4:33
